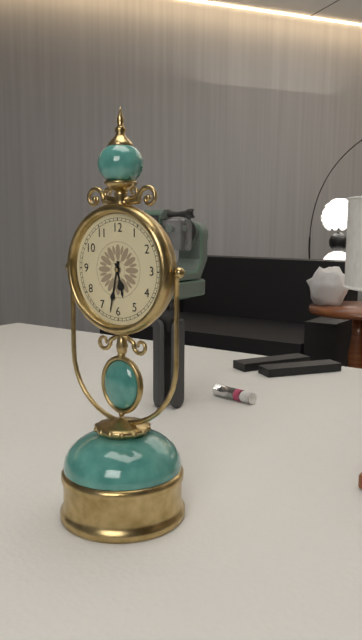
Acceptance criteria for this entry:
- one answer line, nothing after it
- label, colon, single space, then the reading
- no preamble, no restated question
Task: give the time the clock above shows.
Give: 5:32
